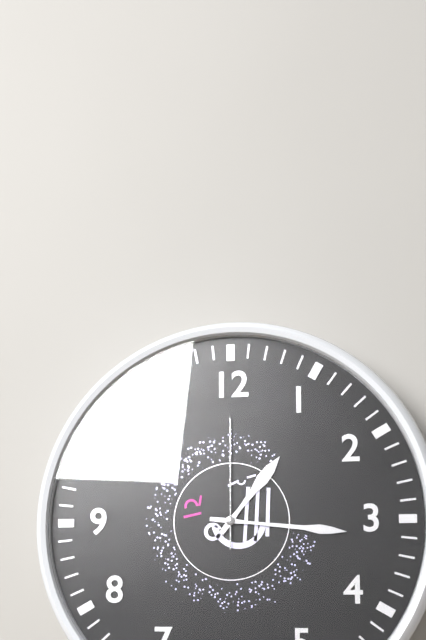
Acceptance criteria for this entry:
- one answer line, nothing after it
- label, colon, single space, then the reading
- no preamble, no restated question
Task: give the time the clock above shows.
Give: 1:16:00
